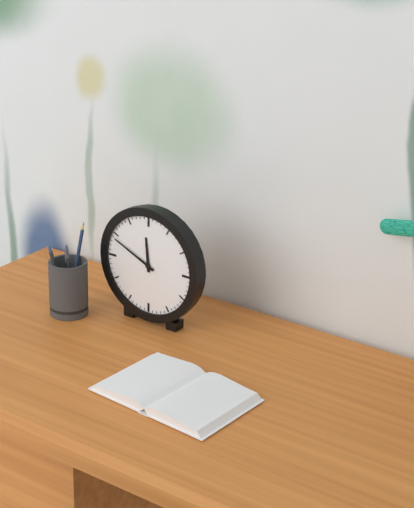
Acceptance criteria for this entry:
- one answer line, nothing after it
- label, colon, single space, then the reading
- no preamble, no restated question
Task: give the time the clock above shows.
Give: 11:49
